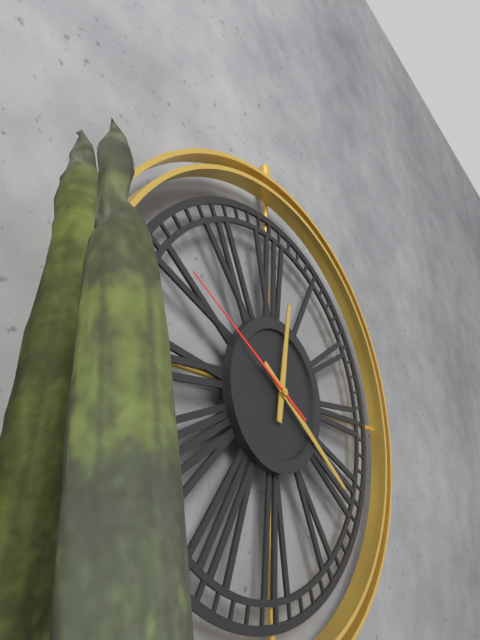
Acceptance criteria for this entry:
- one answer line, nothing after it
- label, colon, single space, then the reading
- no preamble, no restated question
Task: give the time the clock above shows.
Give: 12:21:50
